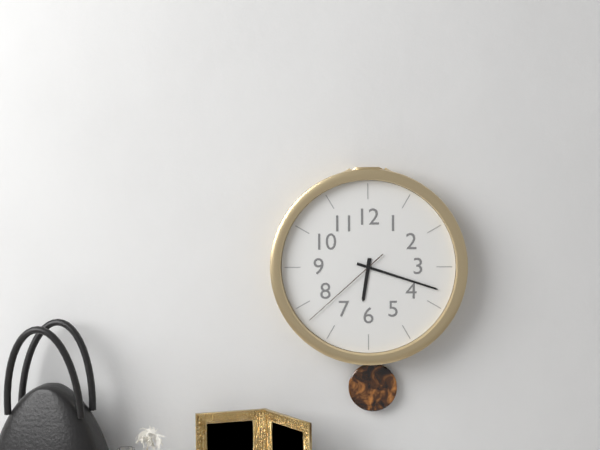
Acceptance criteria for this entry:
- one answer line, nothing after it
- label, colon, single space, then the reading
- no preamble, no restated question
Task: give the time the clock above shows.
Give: 6:18:38
